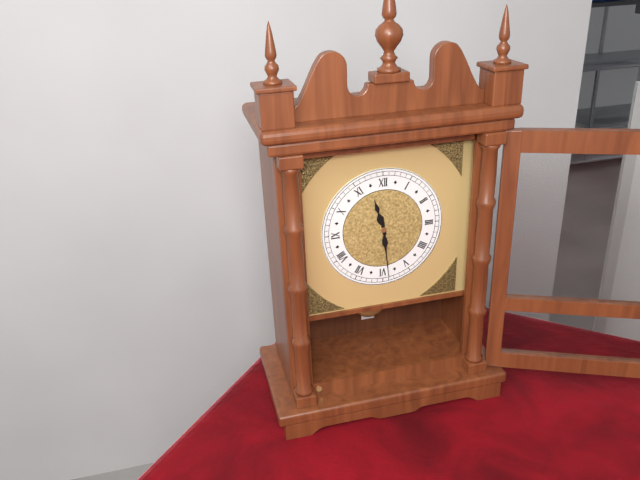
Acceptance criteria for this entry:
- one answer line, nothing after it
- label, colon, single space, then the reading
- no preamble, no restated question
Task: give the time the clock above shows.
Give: 11:29
